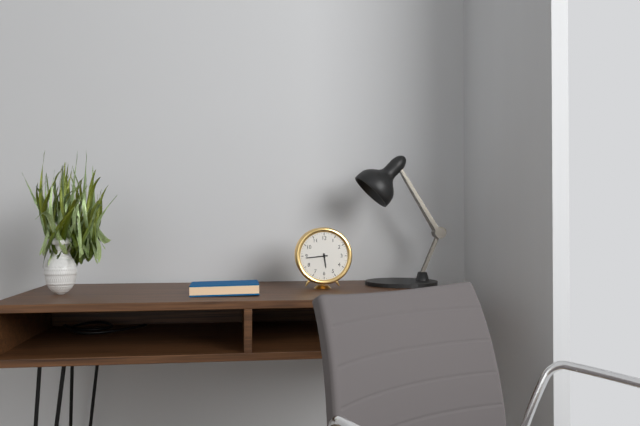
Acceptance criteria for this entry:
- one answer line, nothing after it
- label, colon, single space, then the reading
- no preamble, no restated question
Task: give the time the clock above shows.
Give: 5:44
